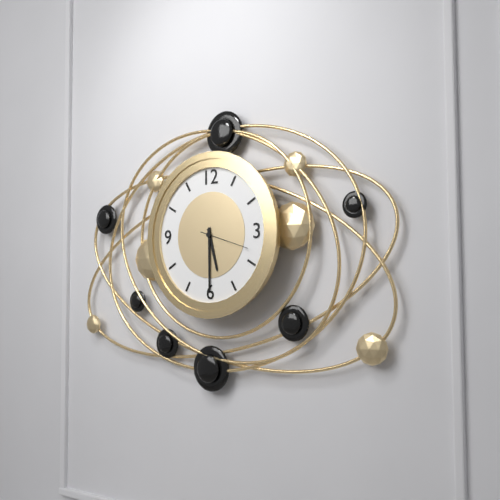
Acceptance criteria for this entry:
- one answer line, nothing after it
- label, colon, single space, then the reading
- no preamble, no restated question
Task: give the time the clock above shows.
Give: 5:30:18
